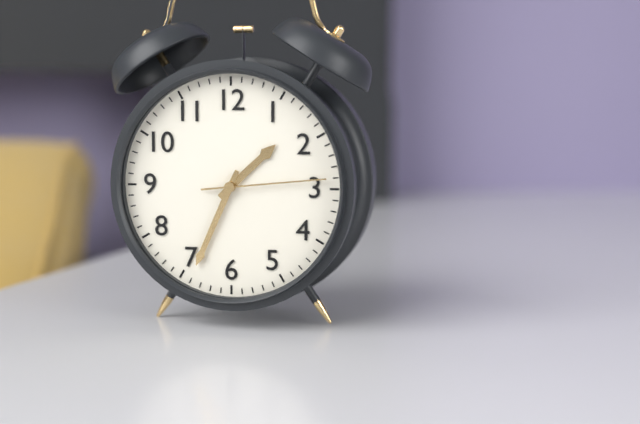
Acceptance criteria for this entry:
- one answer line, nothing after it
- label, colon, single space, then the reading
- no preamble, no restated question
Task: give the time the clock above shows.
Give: 1:34:14
